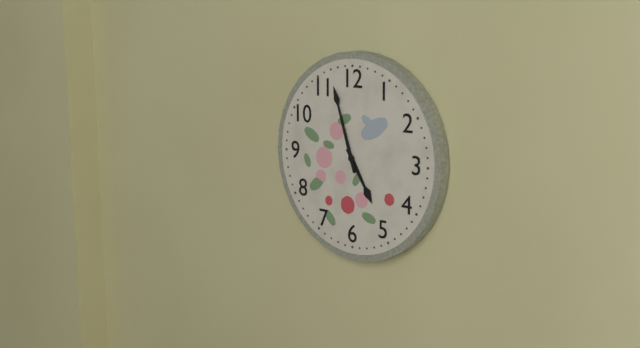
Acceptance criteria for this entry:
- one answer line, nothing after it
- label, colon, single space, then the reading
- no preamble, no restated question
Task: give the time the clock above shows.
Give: 4:57
